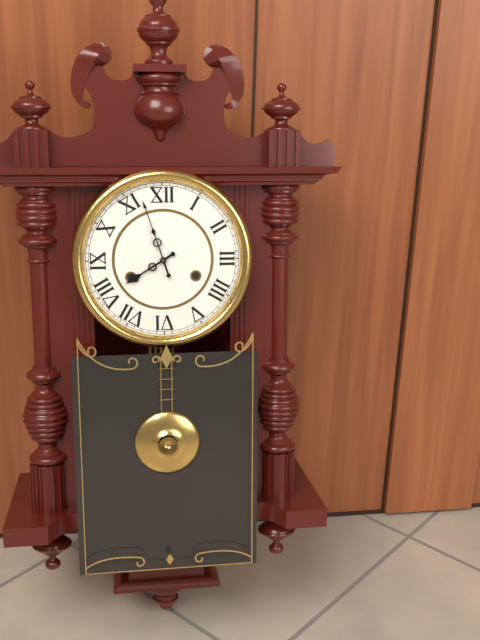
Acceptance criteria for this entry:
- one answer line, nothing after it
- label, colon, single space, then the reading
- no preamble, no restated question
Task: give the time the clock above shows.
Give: 7:57
